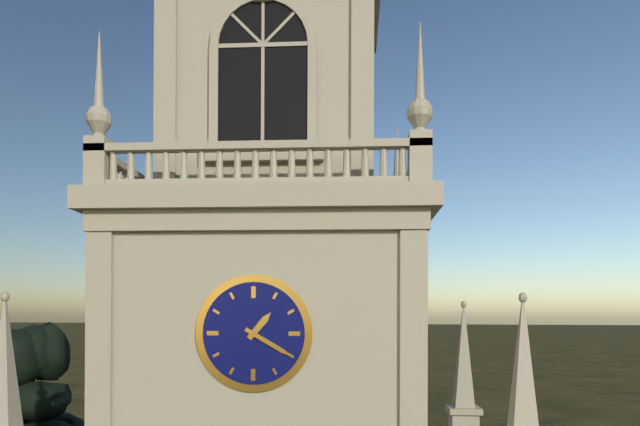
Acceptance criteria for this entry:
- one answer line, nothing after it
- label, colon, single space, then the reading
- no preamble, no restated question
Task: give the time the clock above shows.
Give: 1:20
